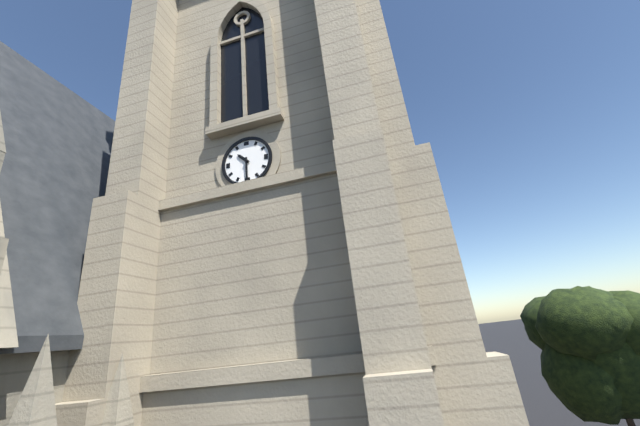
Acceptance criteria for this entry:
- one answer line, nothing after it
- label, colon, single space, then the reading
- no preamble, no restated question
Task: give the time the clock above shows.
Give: 10:30
